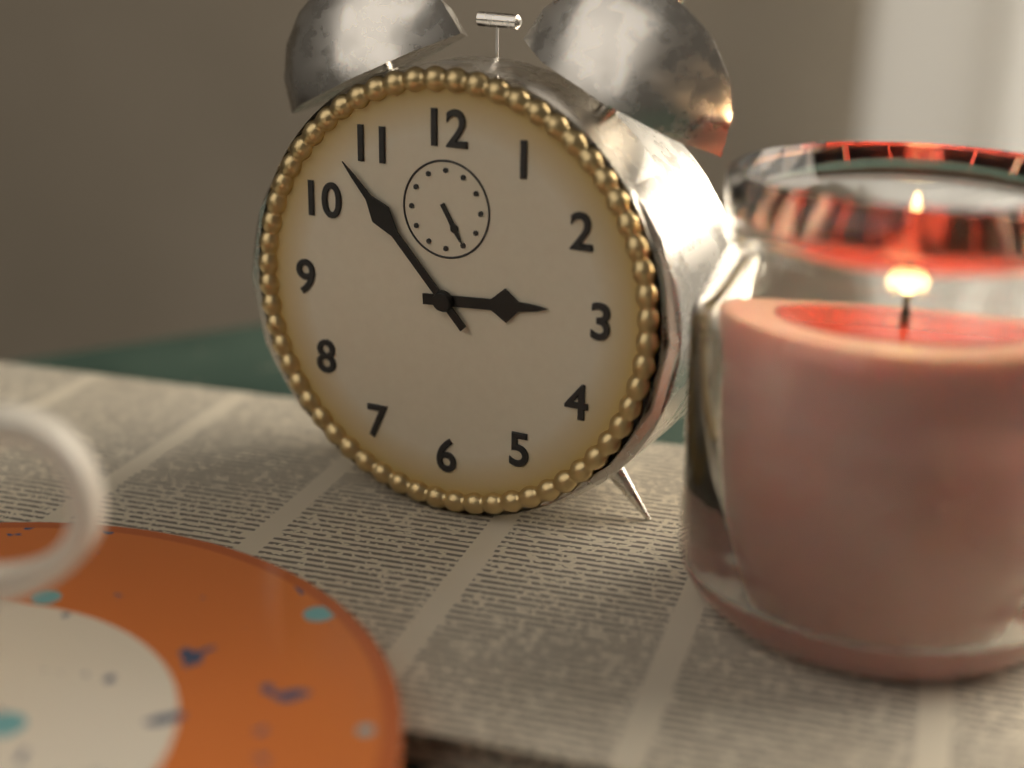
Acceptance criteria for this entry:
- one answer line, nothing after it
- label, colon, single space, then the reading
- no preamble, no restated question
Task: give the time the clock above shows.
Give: 2:53
